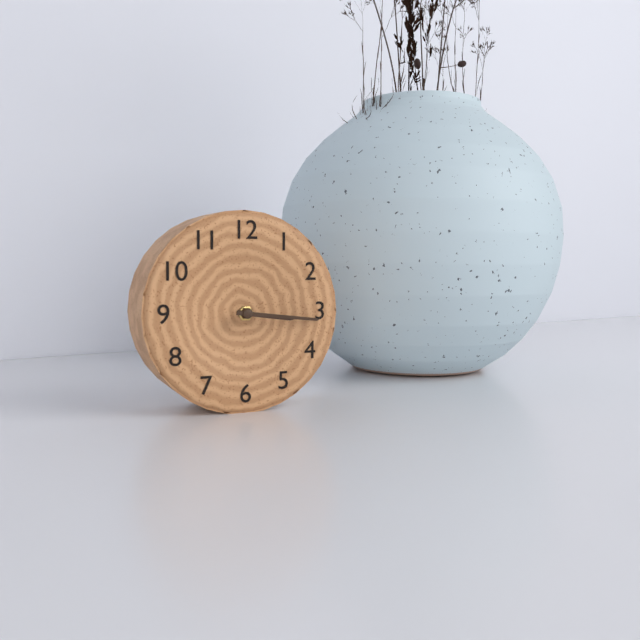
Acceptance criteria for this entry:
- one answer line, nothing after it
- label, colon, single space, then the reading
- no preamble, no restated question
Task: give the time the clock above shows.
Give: 3:16
